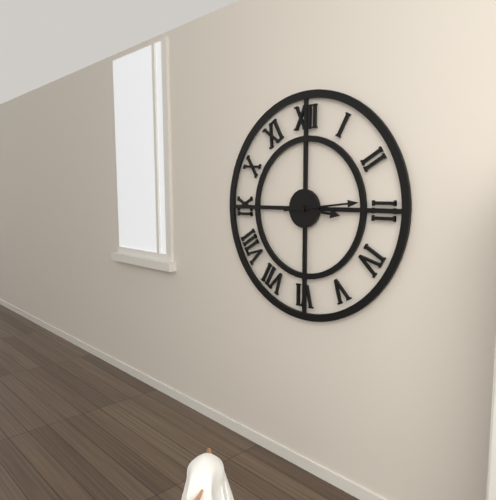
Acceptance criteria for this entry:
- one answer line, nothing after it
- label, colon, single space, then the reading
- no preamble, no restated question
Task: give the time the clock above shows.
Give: 3:14
